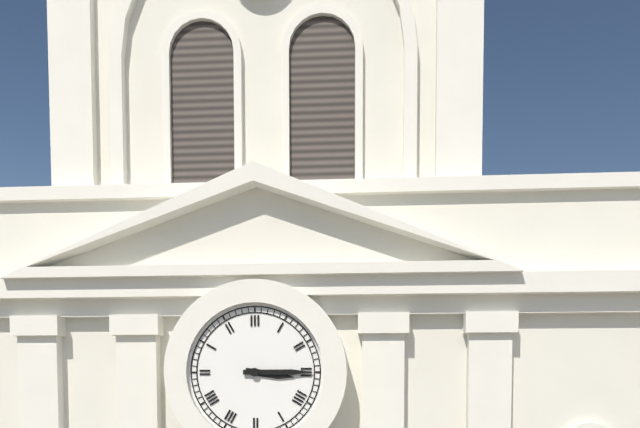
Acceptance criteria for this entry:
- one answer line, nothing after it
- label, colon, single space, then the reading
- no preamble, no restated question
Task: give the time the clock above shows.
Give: 3:15
